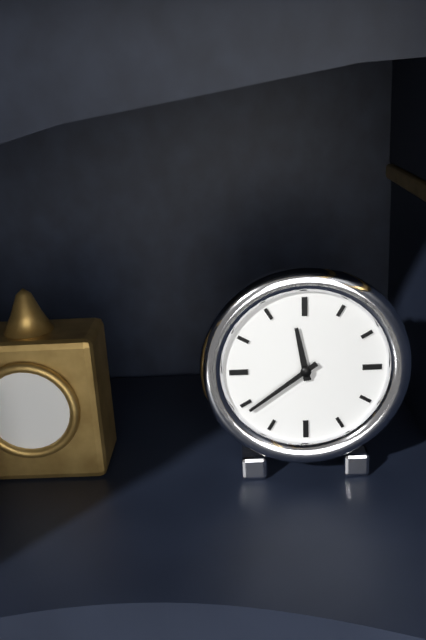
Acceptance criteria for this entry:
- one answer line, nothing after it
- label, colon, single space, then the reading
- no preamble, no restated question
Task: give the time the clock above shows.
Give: 11:39
